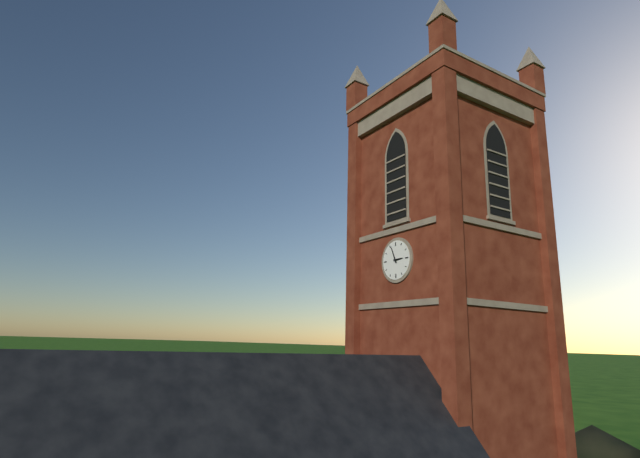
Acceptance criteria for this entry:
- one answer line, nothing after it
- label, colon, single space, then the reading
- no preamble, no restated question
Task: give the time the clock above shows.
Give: 2:56
